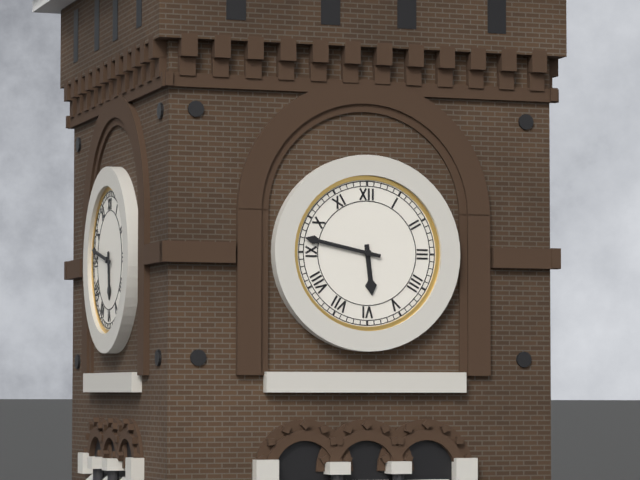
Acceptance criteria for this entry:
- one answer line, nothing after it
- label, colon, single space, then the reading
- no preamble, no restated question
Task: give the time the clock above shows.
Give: 5:47
